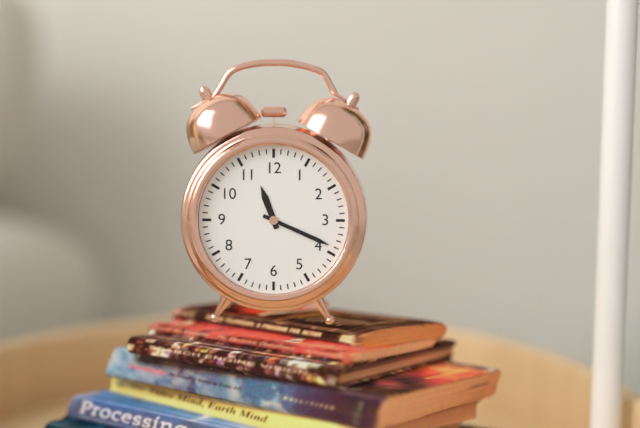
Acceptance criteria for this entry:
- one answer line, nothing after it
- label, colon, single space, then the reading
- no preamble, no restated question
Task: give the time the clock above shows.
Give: 11:19
